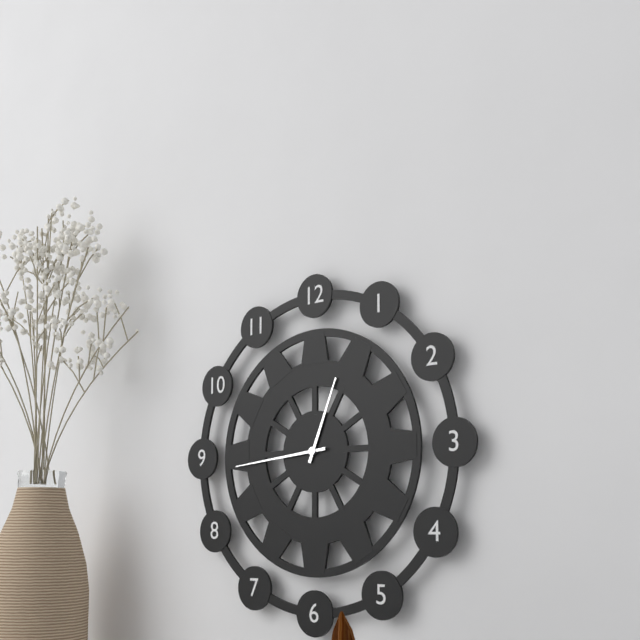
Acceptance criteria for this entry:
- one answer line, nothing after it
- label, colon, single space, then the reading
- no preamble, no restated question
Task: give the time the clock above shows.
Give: 12:44
